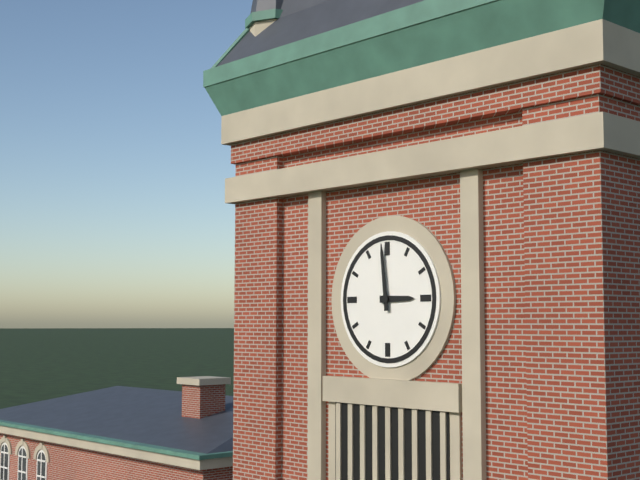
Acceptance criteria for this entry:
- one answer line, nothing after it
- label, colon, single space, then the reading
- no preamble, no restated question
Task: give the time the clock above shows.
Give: 2:59
